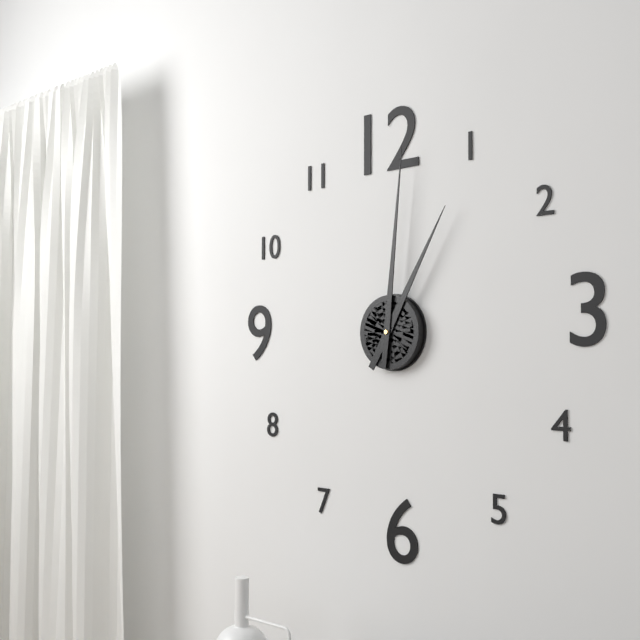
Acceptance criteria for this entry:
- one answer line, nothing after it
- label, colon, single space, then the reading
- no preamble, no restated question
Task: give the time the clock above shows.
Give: 1:01
